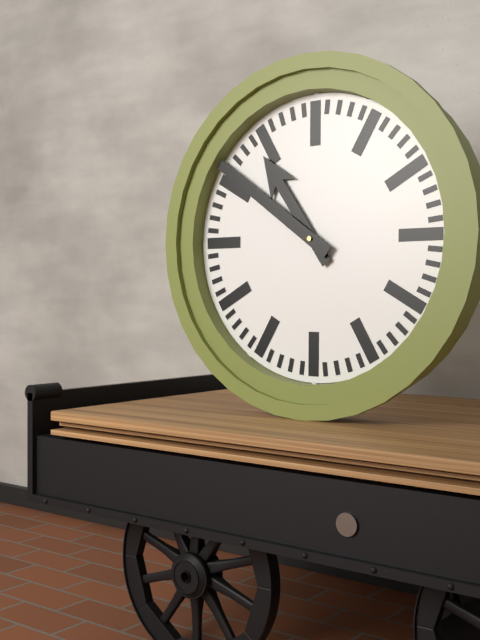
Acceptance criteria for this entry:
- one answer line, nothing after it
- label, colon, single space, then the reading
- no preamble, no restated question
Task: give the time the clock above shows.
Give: 10:51
